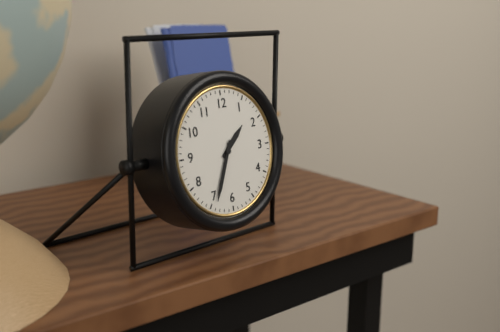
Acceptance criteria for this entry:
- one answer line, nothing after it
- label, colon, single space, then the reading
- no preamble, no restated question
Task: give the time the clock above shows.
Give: 1:34
